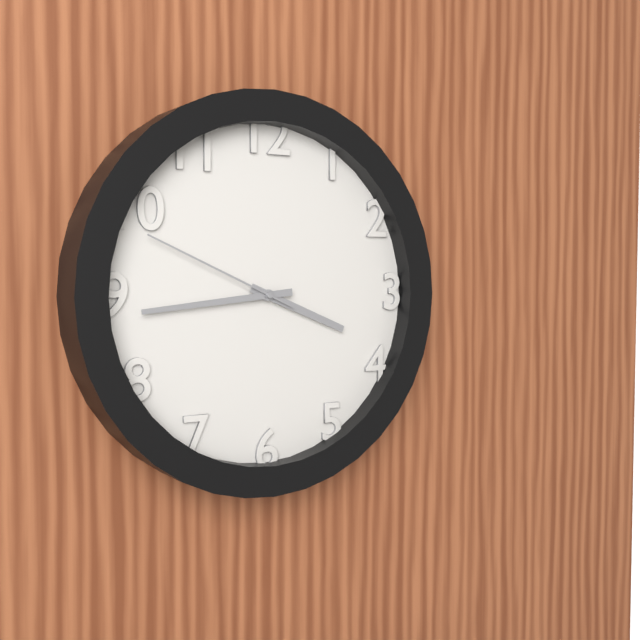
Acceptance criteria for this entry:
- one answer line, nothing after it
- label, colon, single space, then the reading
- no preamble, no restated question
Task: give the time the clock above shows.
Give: 3:44:49
